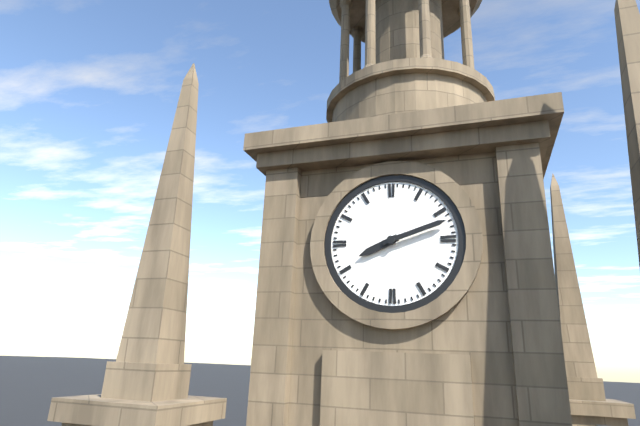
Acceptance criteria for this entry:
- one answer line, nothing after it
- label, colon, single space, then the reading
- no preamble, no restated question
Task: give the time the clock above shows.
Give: 8:12
